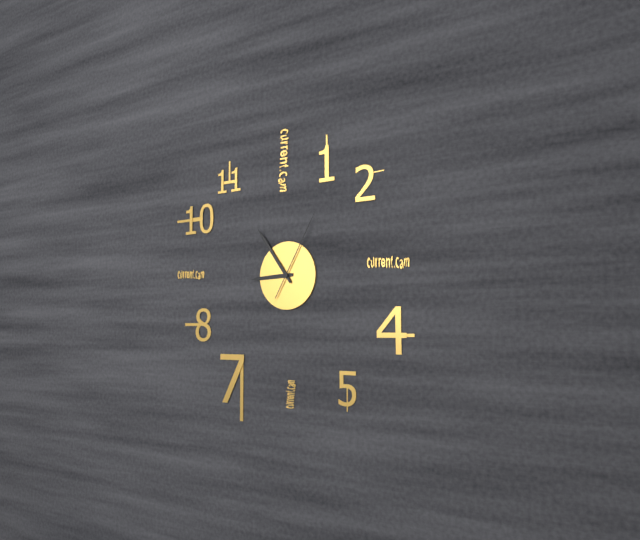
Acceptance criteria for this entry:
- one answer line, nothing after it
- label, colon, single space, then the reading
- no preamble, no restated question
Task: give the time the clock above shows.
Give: 8:54:05
